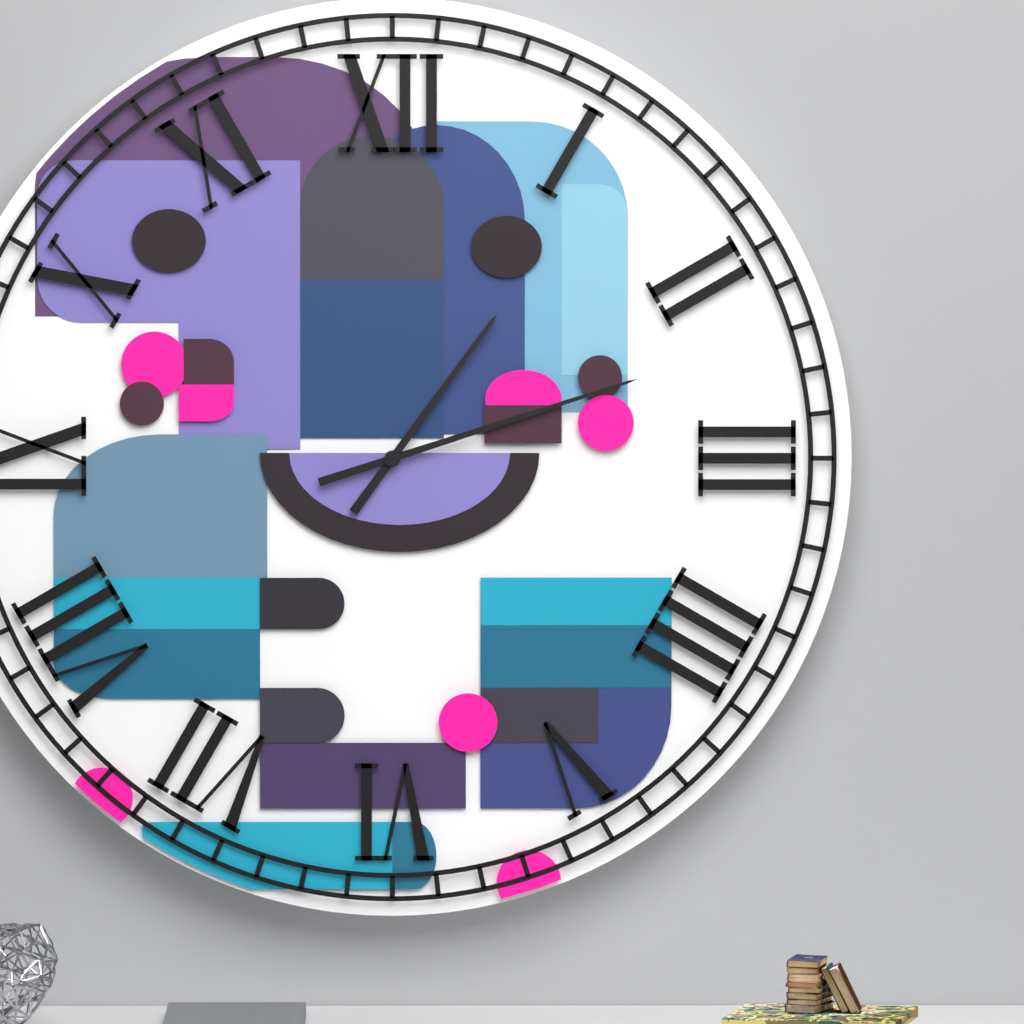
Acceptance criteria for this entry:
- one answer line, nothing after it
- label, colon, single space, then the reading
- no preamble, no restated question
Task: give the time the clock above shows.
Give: 1:12
